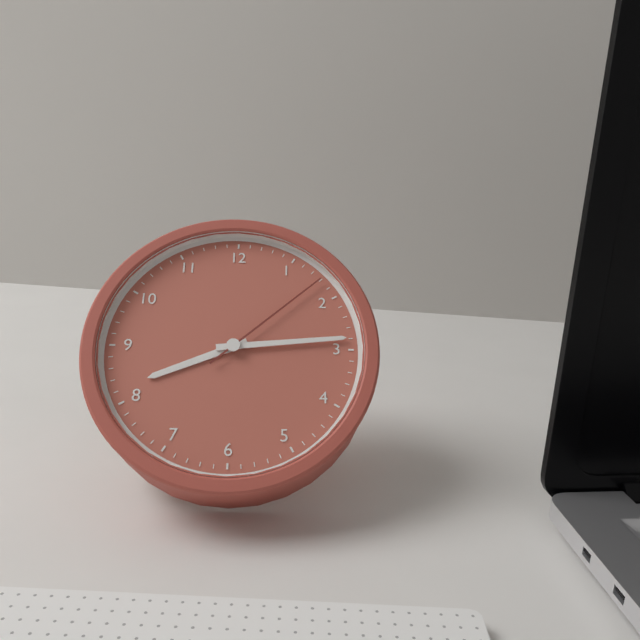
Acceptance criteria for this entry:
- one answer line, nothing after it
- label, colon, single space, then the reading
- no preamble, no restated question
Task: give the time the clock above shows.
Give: 8:14:08
